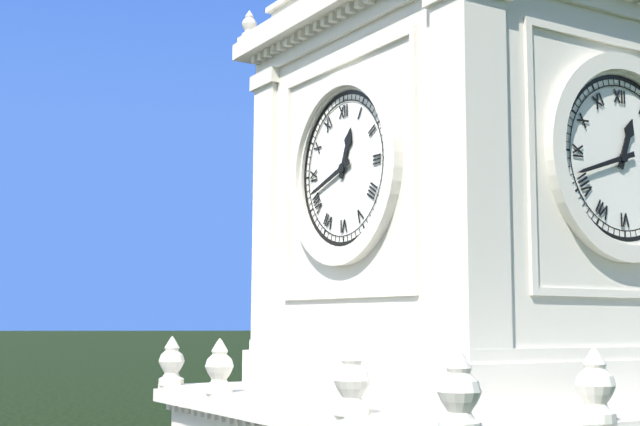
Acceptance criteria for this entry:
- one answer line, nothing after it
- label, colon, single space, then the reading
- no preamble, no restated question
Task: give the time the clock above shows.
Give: 12:42
